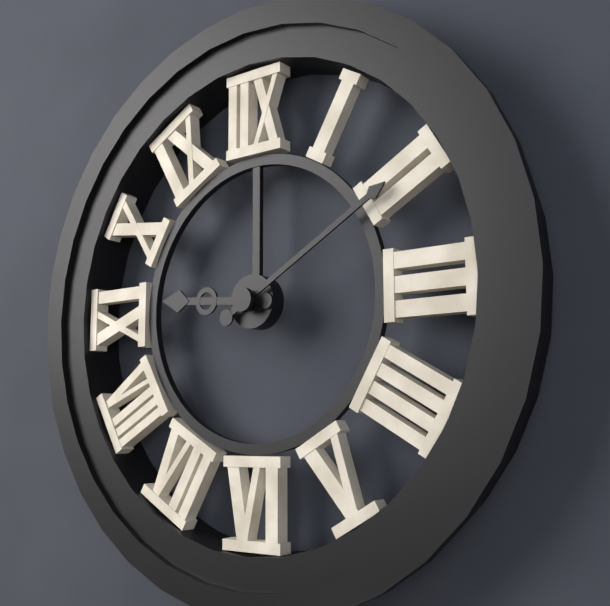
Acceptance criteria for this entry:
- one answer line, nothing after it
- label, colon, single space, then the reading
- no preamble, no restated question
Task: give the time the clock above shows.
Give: 9:10
